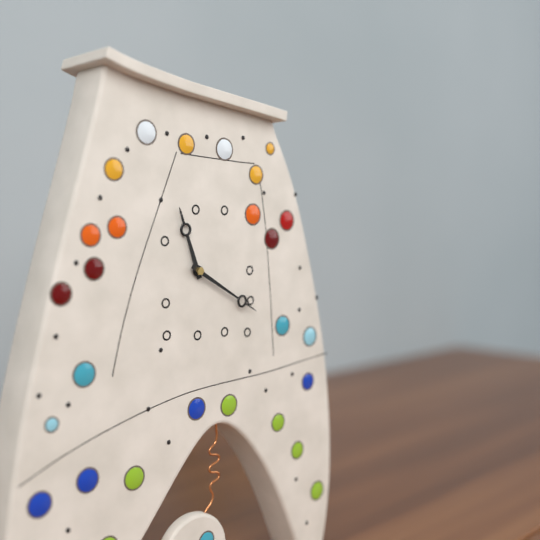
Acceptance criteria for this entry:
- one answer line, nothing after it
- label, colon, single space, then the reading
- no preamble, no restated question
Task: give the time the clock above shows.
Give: 11:20
